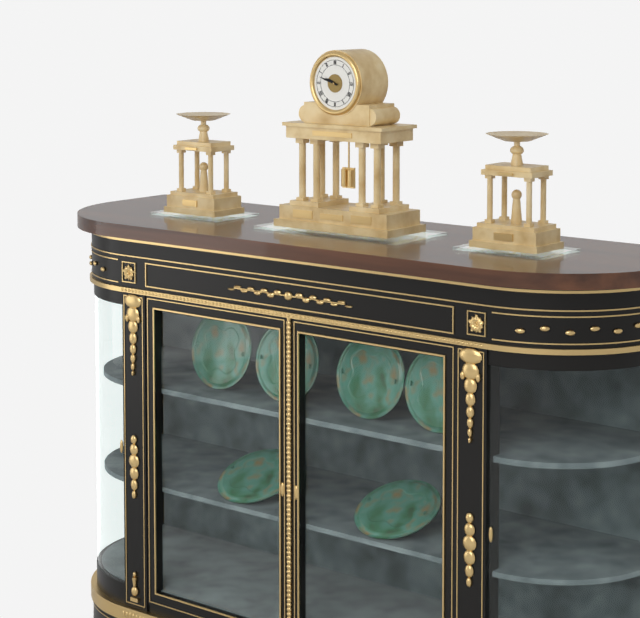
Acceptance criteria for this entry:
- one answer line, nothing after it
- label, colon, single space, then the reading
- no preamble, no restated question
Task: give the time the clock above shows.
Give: 9:48
